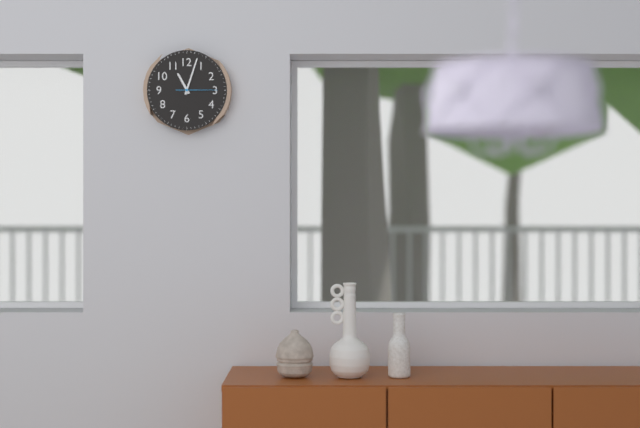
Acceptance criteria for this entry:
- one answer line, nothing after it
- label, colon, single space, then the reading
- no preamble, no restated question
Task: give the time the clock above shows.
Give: 11:03
